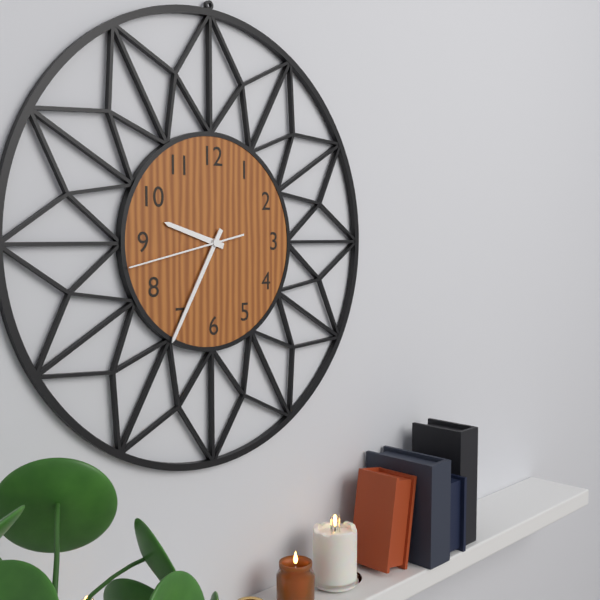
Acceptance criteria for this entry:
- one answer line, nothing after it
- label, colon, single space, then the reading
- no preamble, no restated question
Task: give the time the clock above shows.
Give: 9:35:43
